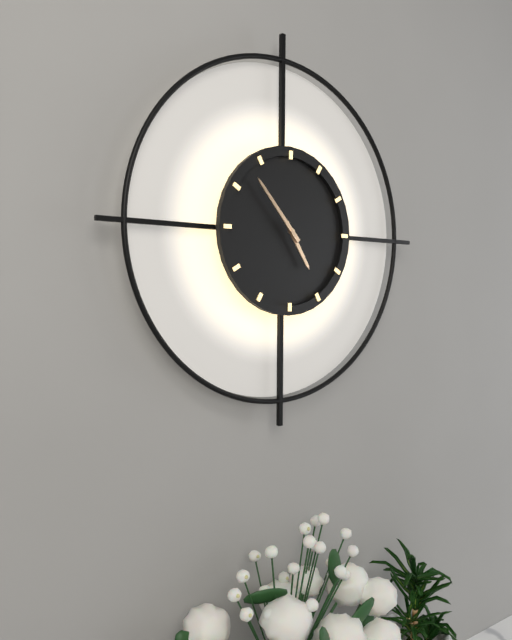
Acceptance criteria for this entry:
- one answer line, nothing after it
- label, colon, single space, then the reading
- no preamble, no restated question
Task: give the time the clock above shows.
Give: 4:53
